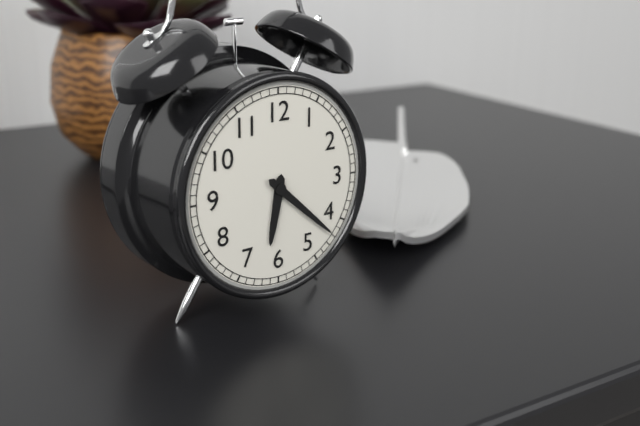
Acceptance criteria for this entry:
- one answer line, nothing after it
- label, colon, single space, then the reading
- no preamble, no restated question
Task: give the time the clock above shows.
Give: 6:22
